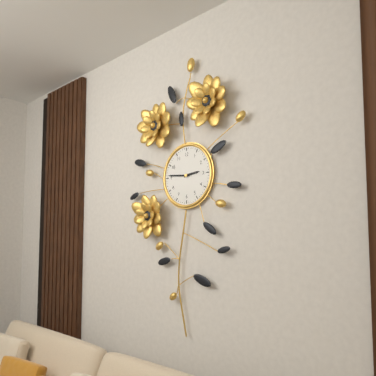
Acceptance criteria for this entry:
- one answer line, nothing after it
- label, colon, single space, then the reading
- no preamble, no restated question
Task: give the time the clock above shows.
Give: 2:46
